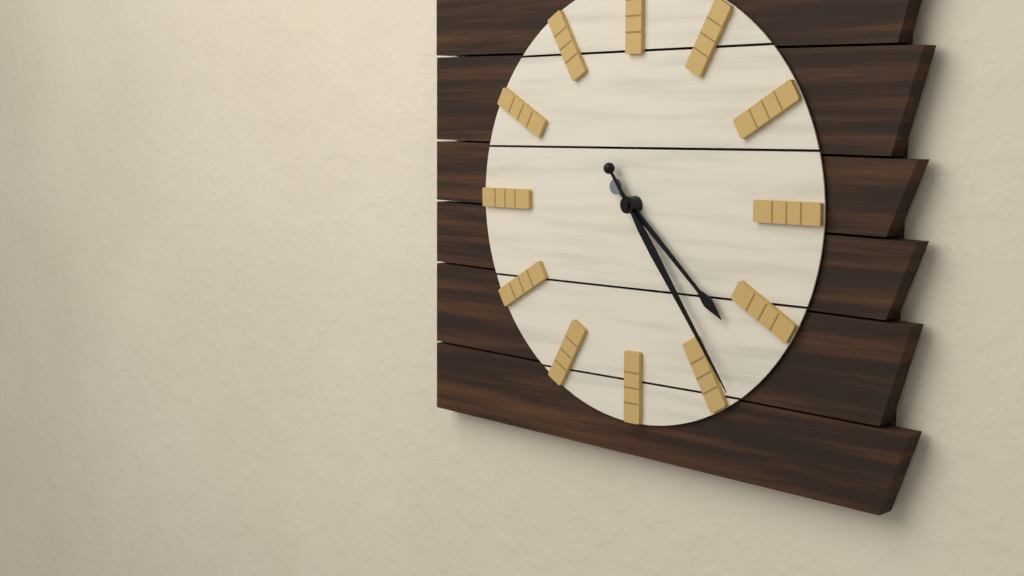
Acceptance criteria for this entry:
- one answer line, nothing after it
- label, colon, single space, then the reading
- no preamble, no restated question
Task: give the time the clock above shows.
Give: 4:24
